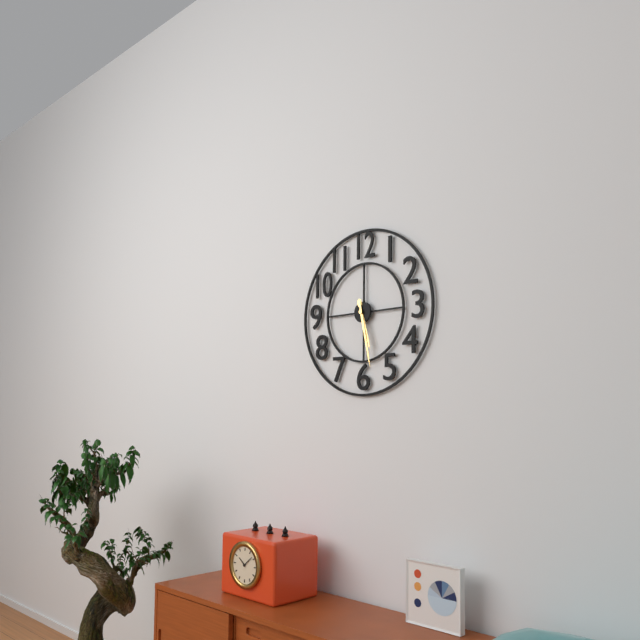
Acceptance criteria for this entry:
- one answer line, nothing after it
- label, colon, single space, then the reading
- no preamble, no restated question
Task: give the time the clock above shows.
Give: 5:28
